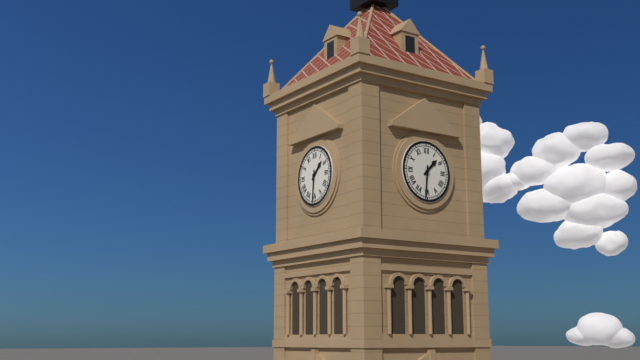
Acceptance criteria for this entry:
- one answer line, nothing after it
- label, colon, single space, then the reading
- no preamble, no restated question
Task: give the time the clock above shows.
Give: 1:31
